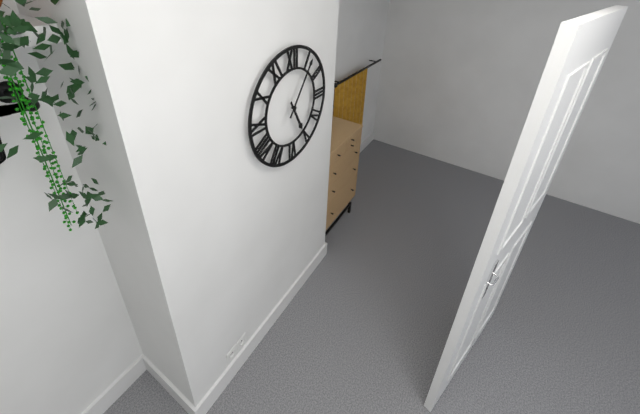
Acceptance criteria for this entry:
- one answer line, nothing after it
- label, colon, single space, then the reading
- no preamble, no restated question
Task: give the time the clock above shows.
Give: 5:06
